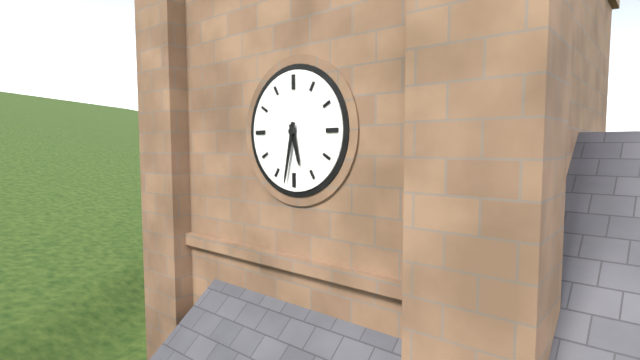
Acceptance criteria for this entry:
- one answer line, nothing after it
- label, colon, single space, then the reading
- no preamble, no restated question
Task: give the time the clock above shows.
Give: 5:32
